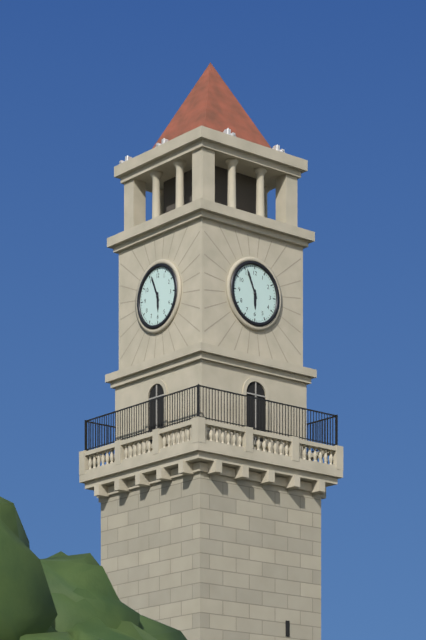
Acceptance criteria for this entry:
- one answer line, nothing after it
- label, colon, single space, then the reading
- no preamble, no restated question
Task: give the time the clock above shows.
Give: 5:56
